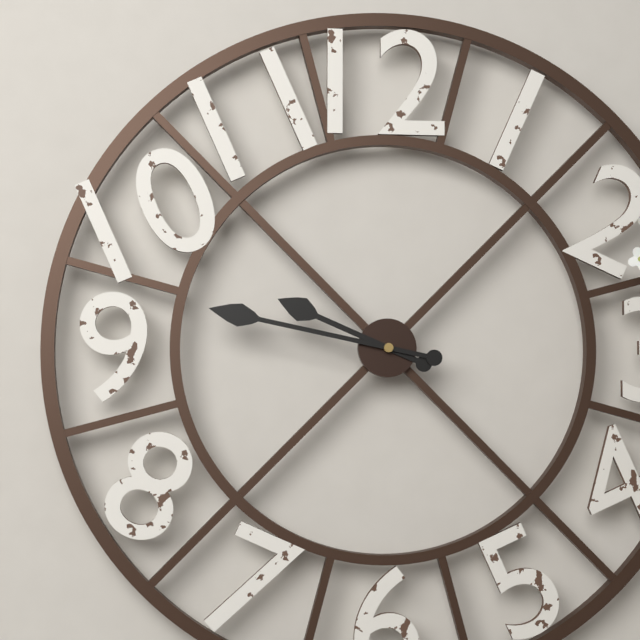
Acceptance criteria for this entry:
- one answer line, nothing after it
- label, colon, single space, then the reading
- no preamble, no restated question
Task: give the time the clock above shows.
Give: 9:47
